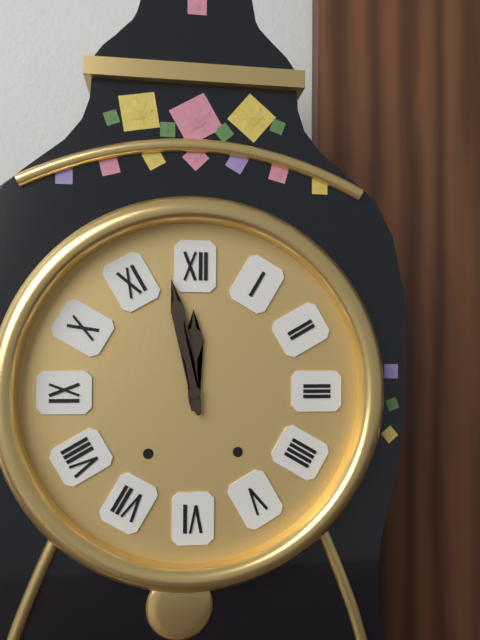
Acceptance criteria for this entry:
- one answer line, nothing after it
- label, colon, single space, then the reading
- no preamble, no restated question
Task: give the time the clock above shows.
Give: 11:58
